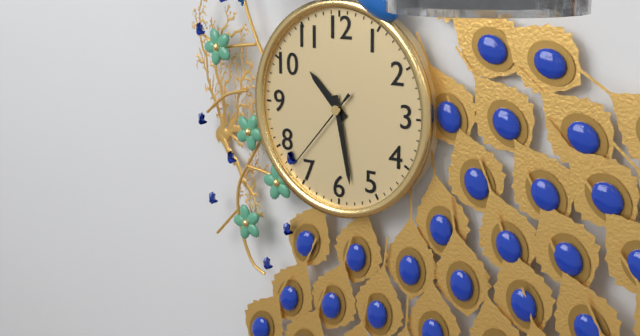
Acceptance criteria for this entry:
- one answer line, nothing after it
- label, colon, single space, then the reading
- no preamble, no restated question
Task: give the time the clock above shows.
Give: 10:28:37
